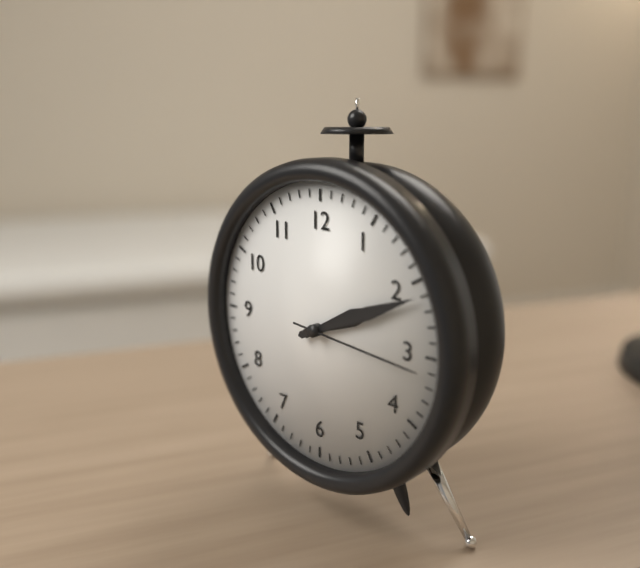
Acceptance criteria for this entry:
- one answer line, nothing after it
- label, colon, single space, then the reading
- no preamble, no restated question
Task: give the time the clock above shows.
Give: 2:11:16
